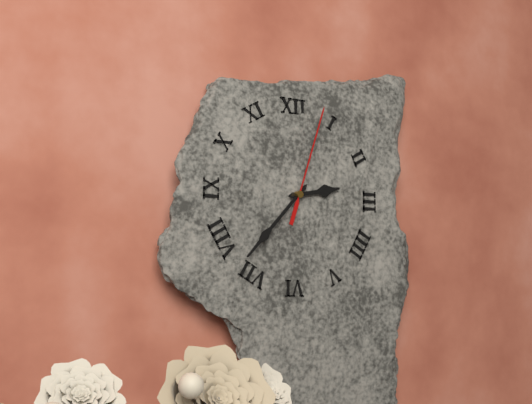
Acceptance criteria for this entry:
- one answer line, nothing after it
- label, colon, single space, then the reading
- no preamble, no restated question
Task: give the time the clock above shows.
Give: 2:37:03
